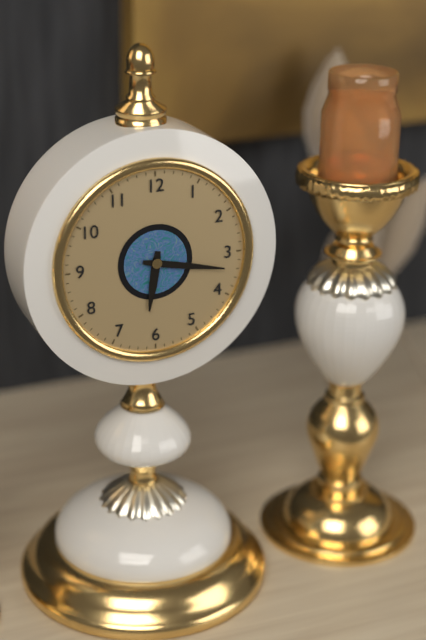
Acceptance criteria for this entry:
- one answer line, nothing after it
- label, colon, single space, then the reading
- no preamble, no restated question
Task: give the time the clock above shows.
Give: 6:17
